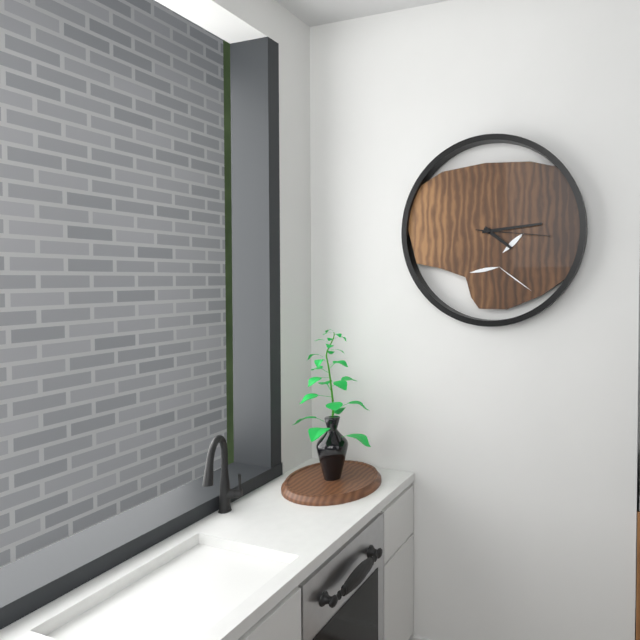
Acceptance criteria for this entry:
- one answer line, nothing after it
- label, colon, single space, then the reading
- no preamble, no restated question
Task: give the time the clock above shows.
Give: 4:14:16
